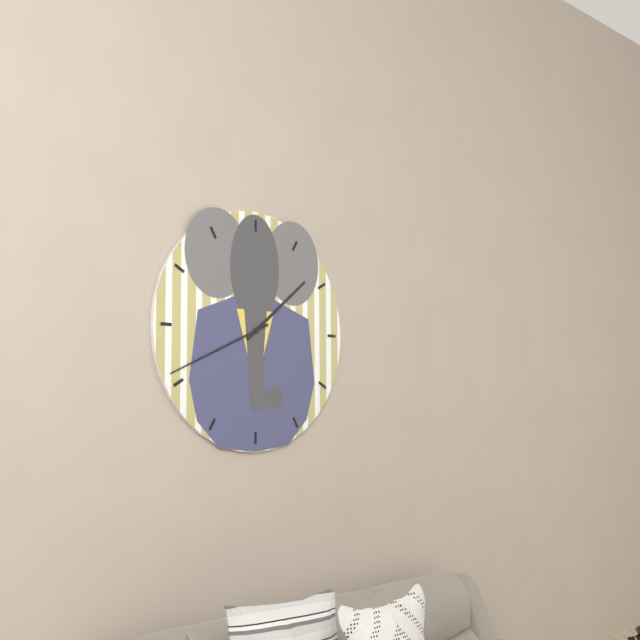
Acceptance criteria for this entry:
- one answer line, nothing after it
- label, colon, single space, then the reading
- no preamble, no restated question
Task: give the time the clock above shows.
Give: 1:41
